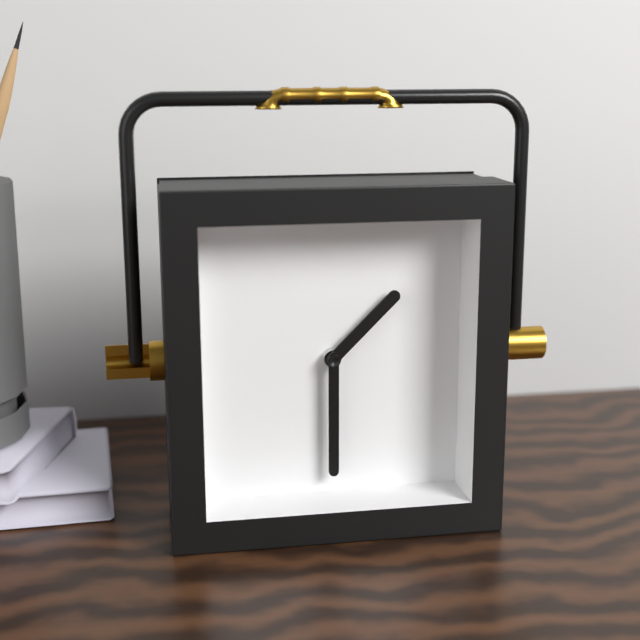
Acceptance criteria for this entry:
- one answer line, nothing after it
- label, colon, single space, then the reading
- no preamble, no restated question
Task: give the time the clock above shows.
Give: 1:30
